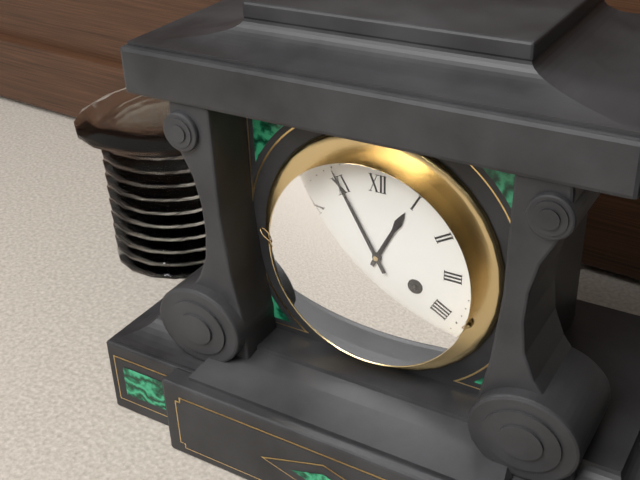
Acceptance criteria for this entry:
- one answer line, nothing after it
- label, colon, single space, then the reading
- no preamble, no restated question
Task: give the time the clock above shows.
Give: 12:55
